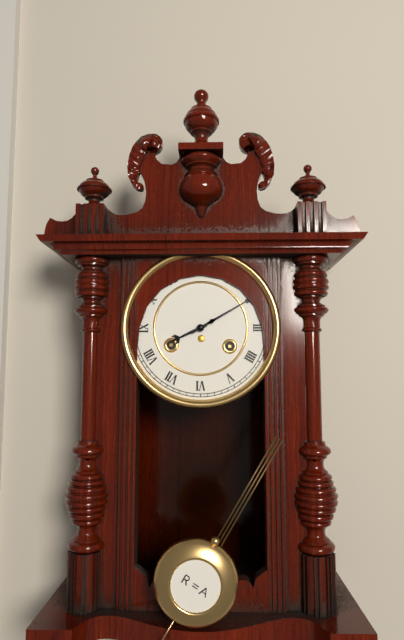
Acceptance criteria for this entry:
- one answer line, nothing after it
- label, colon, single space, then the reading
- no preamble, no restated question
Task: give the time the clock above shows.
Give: 8:10
